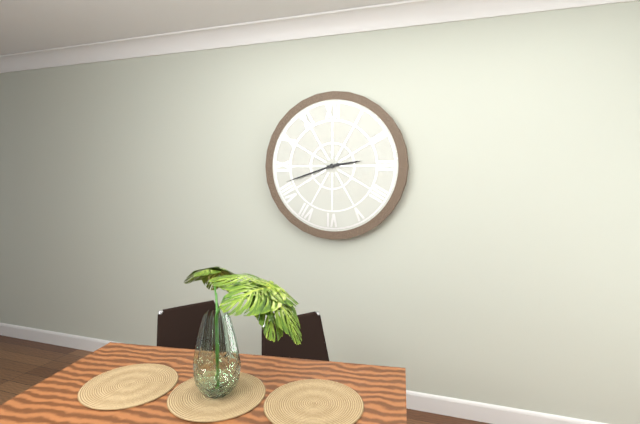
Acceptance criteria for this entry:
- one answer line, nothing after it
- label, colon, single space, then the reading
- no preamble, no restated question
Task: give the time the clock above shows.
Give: 2:42
